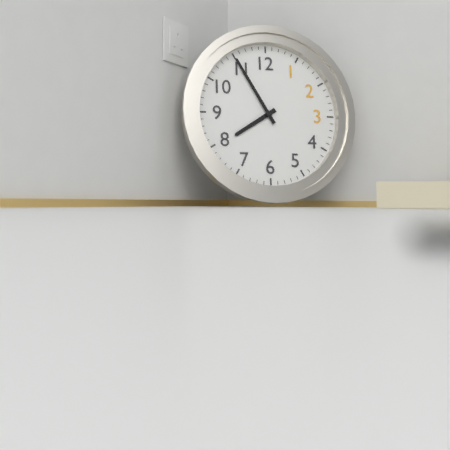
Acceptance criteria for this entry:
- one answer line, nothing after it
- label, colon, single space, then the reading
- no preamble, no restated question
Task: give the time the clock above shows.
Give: 7:55
